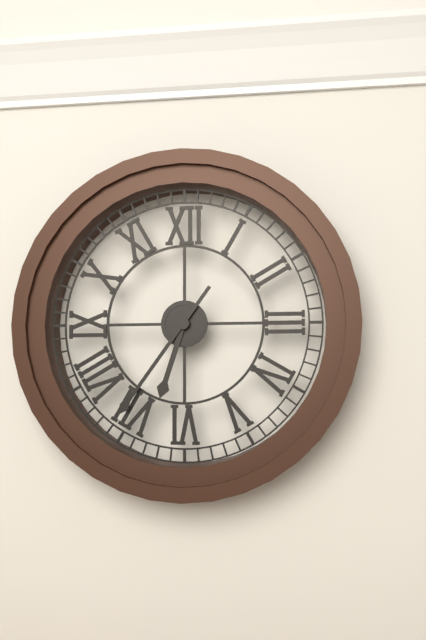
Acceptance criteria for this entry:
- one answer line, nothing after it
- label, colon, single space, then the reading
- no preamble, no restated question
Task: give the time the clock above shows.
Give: 6:36
